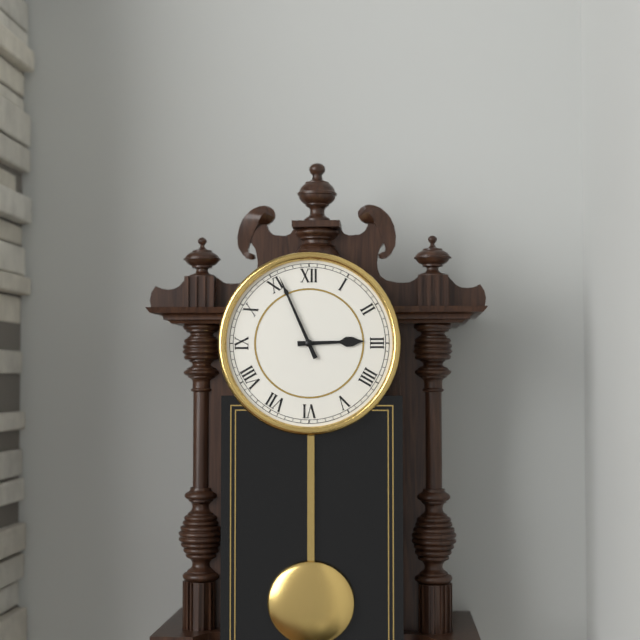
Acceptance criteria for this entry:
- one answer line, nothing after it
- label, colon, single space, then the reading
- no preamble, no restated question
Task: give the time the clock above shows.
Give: 2:56
